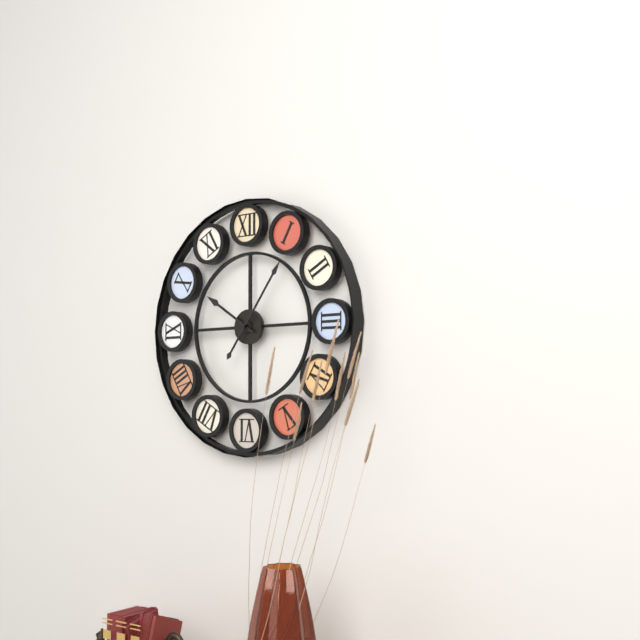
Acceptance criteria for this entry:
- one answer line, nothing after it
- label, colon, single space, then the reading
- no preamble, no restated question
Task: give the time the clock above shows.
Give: 10:06
